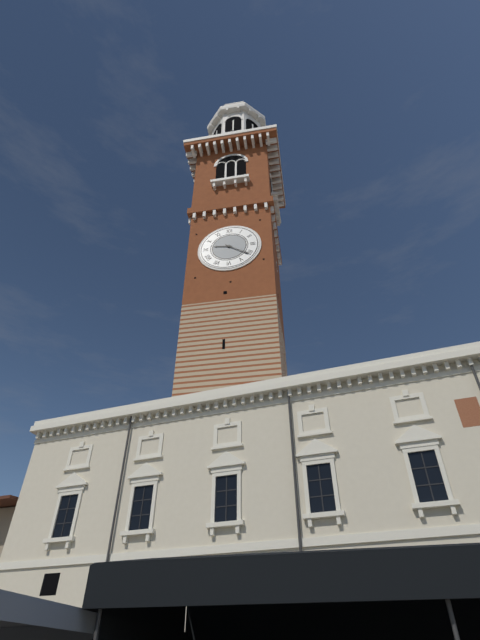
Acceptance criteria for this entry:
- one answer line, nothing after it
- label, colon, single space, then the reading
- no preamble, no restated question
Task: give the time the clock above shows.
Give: 9:21
